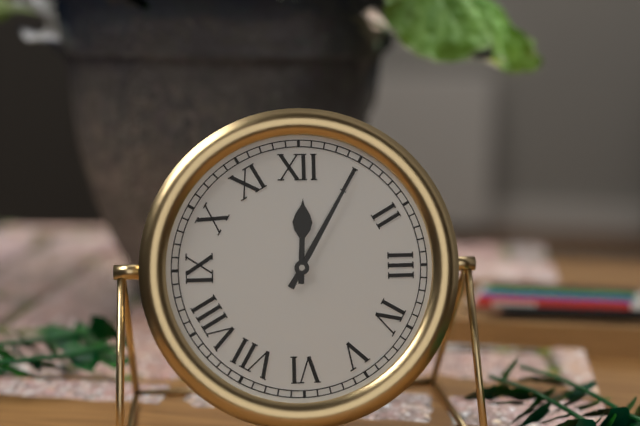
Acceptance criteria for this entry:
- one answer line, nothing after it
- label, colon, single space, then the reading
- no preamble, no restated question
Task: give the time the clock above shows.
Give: 12:05
